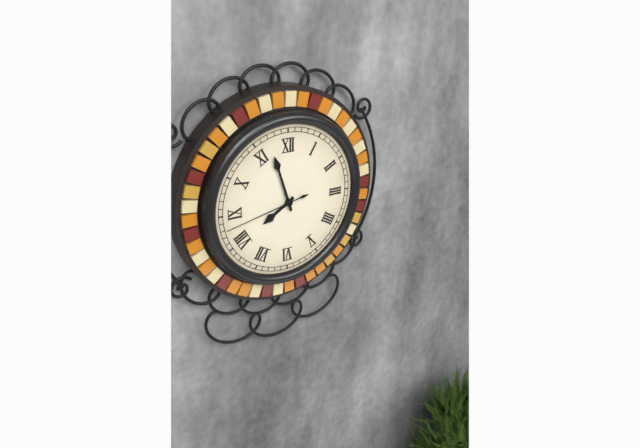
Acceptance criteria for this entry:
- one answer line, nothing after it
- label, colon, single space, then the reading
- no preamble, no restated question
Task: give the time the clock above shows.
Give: 7:57:43
